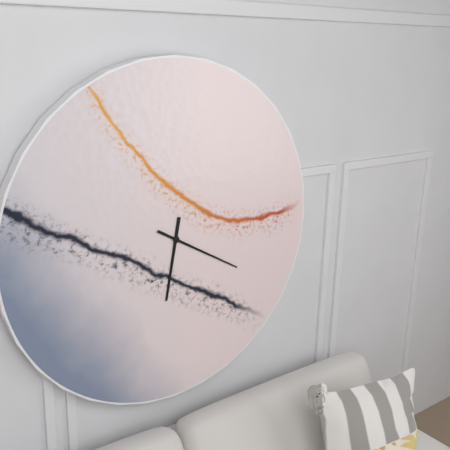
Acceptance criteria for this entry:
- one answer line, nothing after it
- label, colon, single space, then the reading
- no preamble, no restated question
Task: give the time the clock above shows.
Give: 6:20
